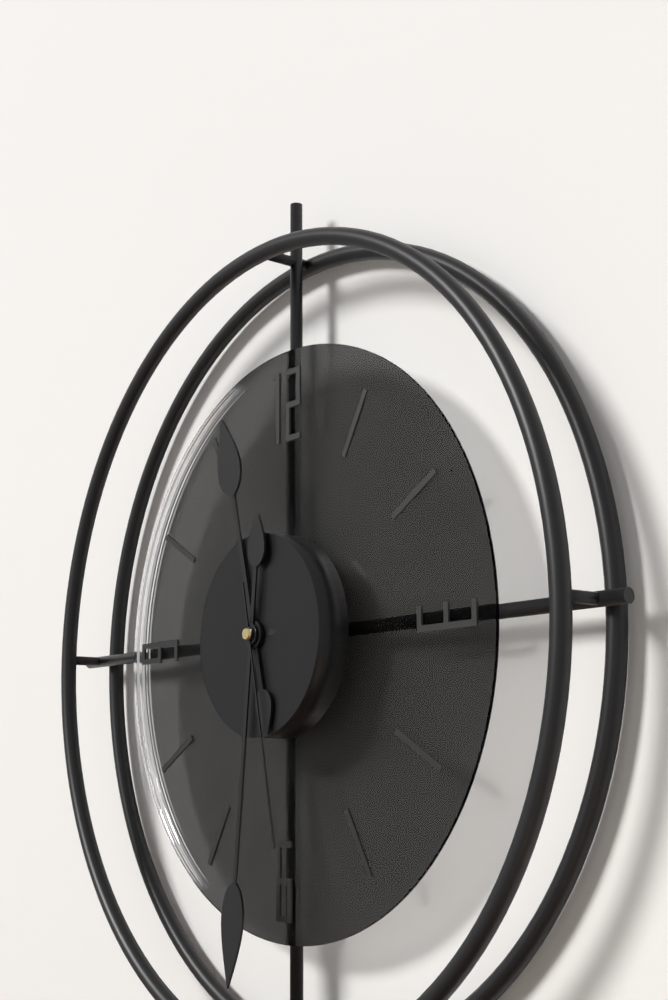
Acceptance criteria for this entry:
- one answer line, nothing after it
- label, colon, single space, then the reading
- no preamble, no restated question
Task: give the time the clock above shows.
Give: 11:31:28
